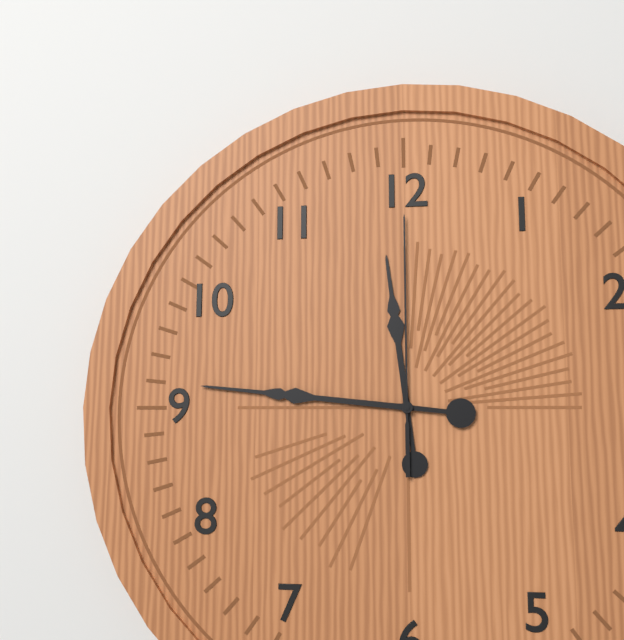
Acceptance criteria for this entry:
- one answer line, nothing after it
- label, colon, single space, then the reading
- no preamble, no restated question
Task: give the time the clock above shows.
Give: 11:46:00
